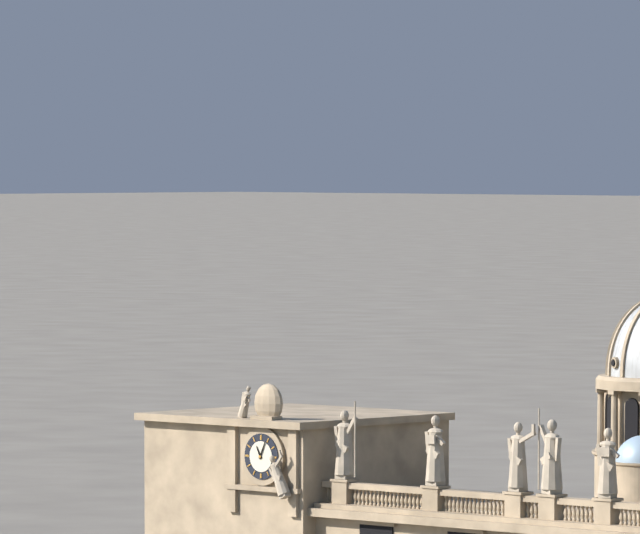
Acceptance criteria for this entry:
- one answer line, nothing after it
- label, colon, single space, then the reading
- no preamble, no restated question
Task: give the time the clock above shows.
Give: 11:04
